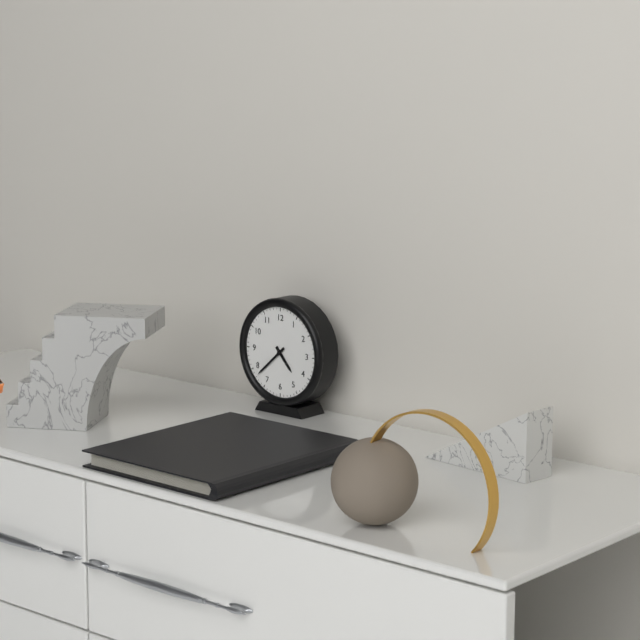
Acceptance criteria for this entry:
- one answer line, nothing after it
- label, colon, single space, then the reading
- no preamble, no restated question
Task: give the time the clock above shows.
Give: 4:38
